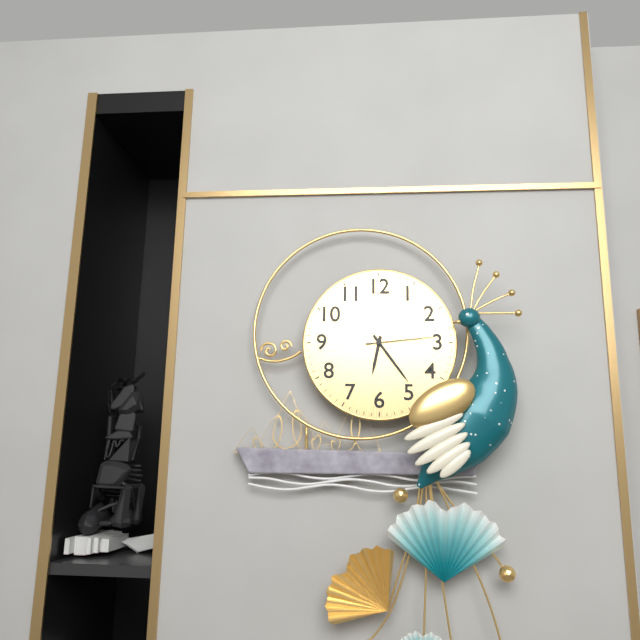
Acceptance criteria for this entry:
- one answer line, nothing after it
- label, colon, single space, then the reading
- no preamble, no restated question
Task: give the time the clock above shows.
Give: 6:24:14
